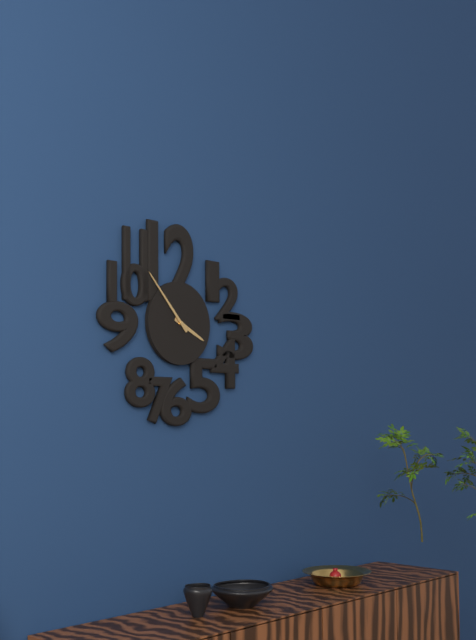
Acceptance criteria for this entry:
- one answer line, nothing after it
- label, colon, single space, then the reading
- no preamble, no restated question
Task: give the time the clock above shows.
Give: 3:53
